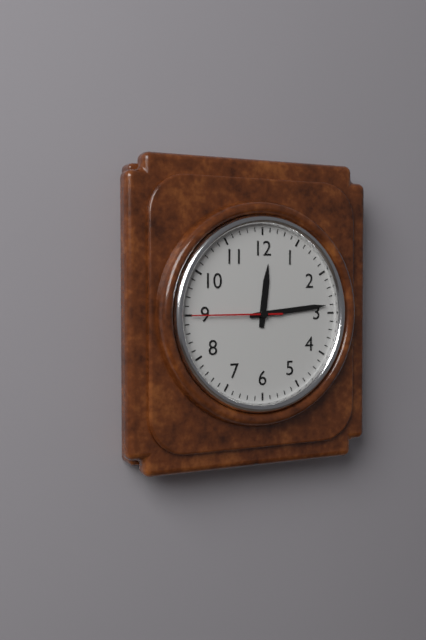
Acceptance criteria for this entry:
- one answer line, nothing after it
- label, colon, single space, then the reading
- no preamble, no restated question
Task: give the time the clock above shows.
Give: 12:14:45
